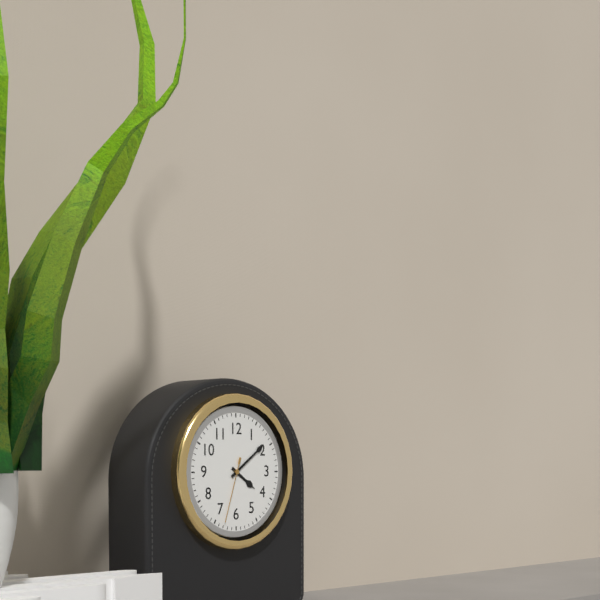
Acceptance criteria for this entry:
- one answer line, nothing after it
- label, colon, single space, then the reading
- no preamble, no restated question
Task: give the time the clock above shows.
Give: 4:09:33
